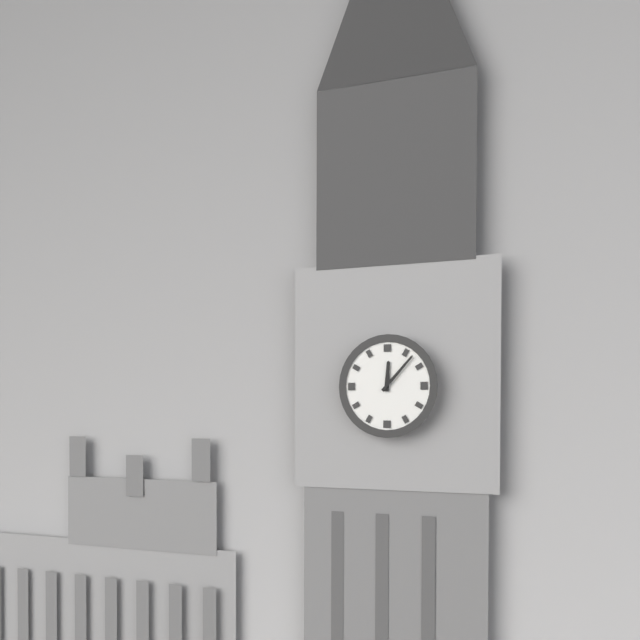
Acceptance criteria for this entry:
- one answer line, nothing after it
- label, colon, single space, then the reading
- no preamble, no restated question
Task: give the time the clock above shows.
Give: 12:07
